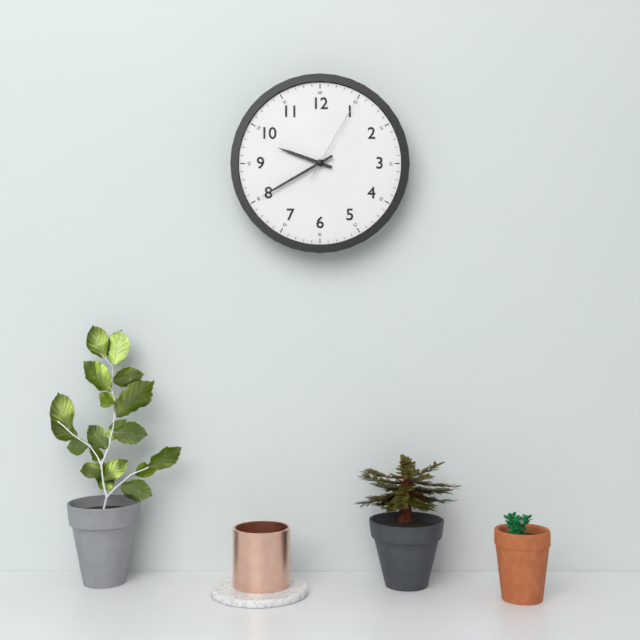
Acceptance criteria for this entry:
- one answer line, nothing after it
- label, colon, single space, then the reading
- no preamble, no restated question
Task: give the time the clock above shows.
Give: 9:40:05
